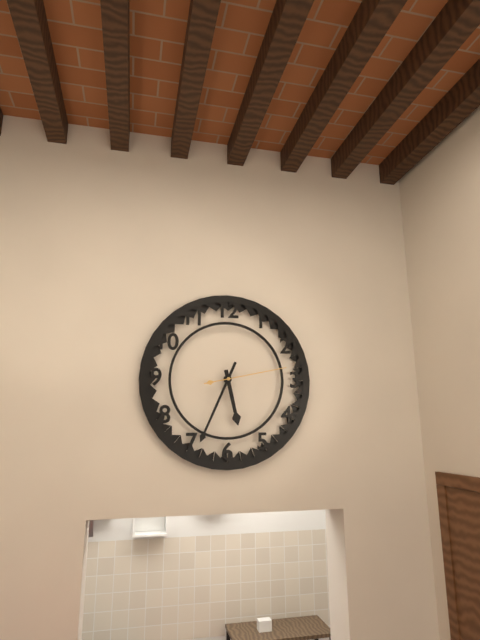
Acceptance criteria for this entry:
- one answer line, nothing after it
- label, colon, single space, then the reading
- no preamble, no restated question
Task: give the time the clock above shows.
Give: 5:34:13
